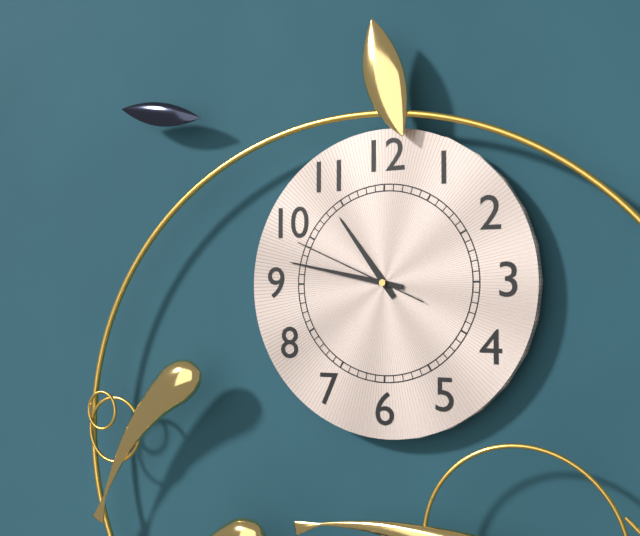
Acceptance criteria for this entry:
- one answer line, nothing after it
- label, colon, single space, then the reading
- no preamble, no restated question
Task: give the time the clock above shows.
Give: 10:47:49
